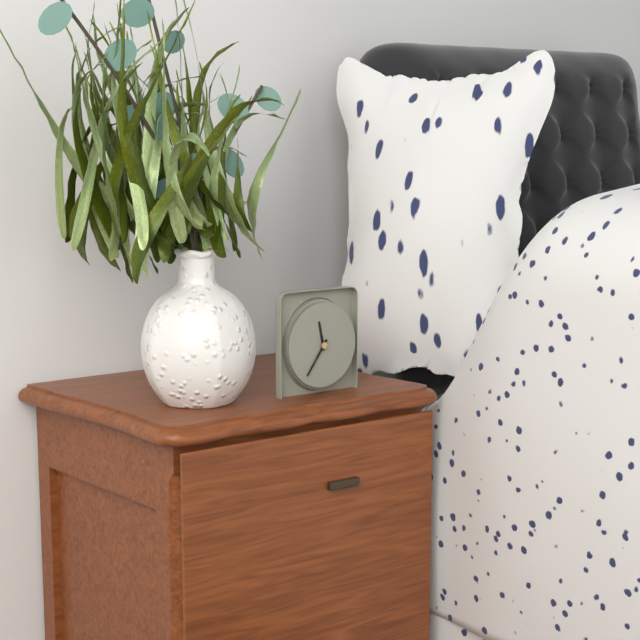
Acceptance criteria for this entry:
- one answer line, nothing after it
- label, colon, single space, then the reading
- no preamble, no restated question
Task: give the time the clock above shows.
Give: 11:36
